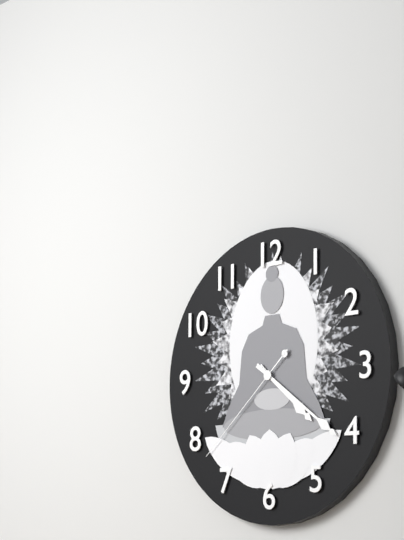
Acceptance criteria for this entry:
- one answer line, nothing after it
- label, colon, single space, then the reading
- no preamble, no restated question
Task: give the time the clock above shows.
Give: 4:21:38
